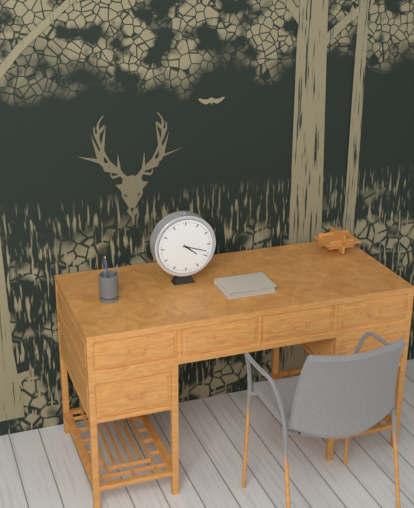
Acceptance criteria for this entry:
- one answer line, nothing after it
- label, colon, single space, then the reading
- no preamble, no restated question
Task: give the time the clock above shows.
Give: 4:18
